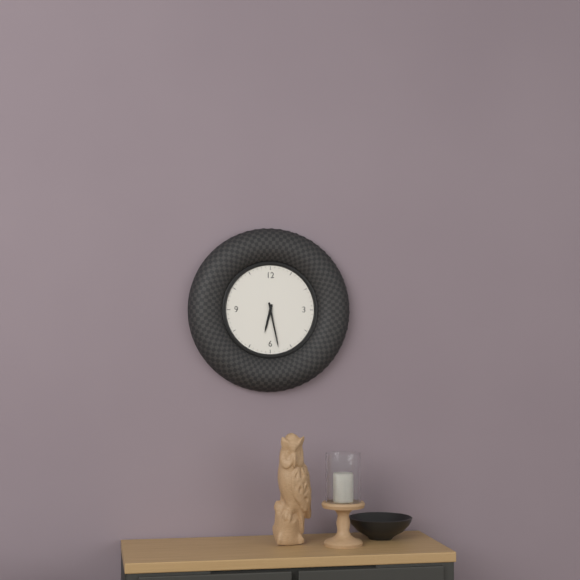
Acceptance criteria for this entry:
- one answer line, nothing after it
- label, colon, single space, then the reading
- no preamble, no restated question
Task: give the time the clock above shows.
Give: 6:28
